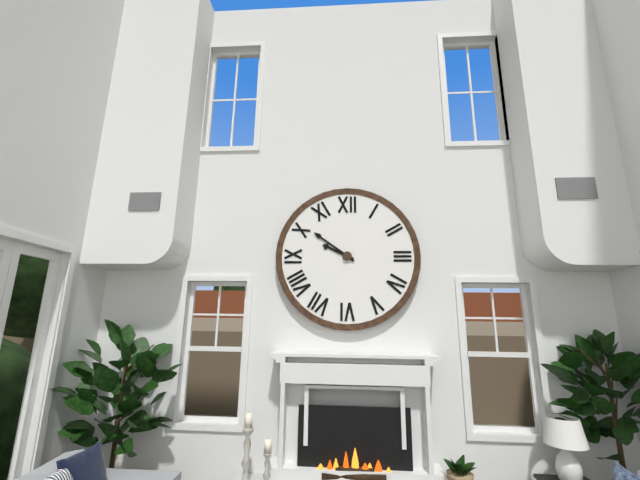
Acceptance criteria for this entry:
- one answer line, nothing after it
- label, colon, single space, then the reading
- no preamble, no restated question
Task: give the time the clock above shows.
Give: 9:51
